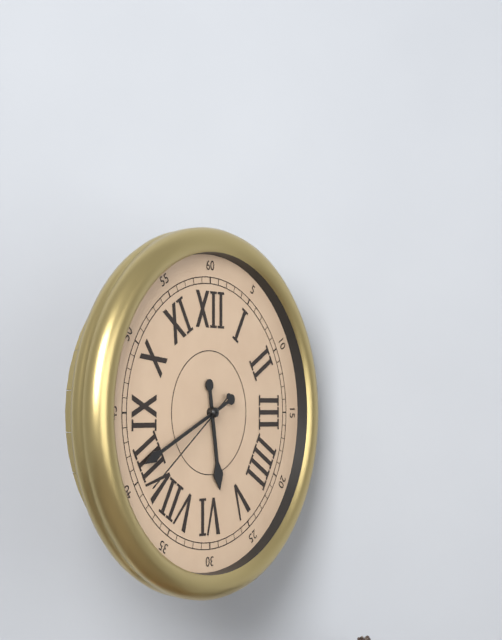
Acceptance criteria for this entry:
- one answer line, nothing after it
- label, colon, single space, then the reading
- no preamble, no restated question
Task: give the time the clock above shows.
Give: 5:41:39
